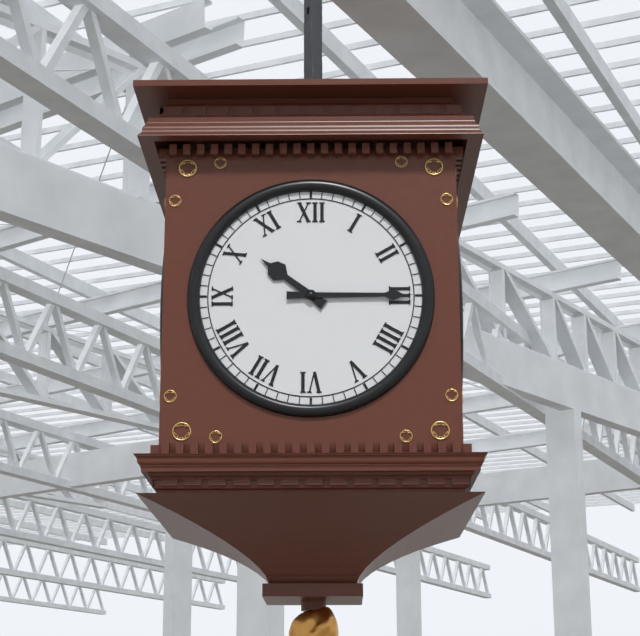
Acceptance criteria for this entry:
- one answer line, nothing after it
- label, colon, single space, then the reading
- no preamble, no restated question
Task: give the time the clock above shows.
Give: 10:15
